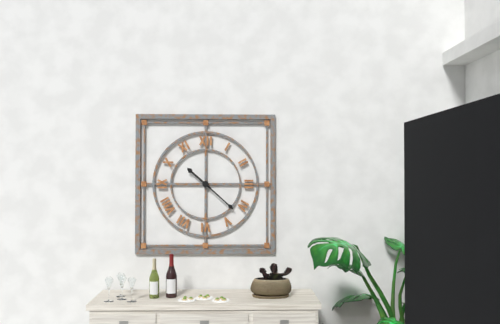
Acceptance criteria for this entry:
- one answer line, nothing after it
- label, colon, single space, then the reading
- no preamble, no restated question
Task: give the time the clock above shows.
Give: 10:22
